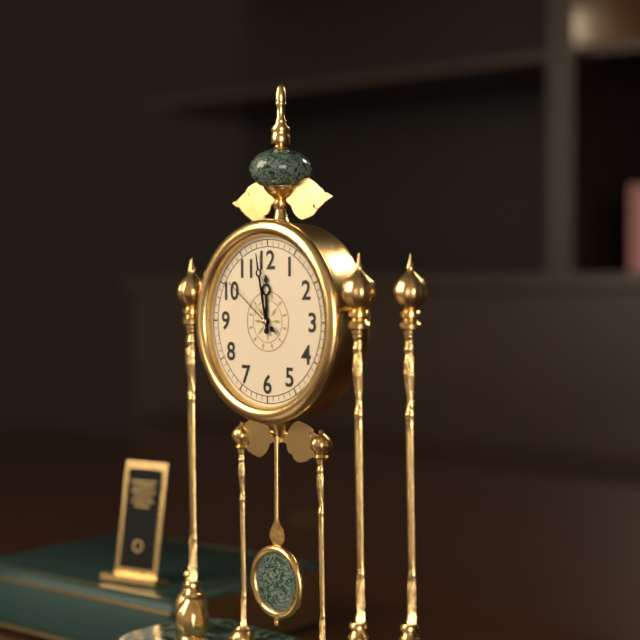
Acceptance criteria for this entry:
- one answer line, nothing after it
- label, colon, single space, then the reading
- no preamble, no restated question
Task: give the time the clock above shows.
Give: 11:58:51
